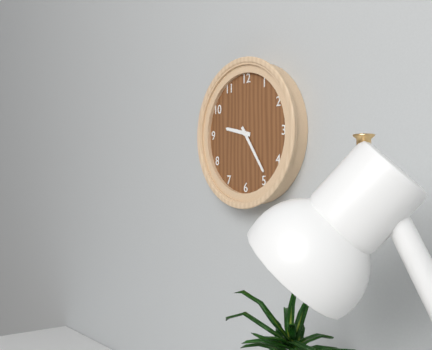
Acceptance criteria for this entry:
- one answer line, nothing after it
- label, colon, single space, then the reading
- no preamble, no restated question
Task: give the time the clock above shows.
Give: 9:24
